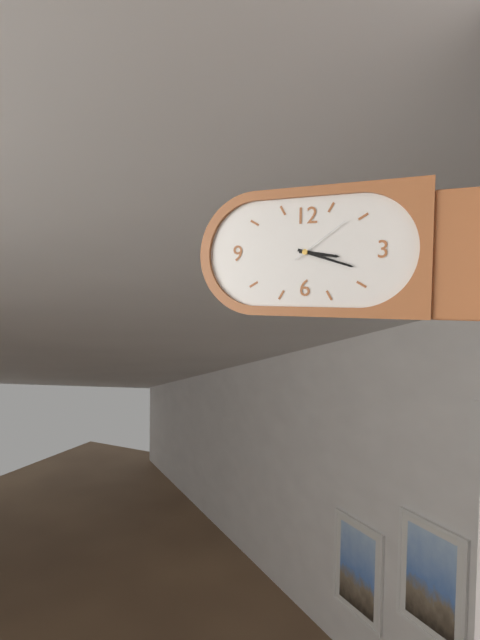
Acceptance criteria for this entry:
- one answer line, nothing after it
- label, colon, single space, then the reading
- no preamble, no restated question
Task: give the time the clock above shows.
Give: 3:18:09
